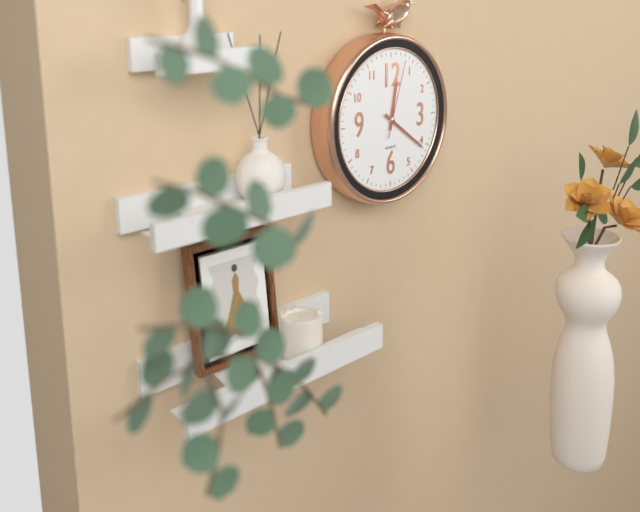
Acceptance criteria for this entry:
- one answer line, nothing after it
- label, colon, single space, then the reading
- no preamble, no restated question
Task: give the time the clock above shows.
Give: 12:21:03
